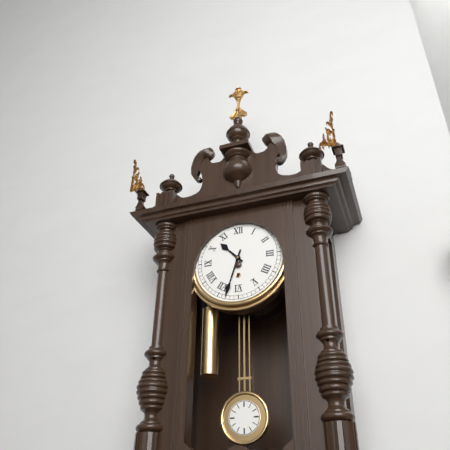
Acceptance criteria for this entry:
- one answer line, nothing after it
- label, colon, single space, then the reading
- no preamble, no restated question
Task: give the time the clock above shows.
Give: 10:33
